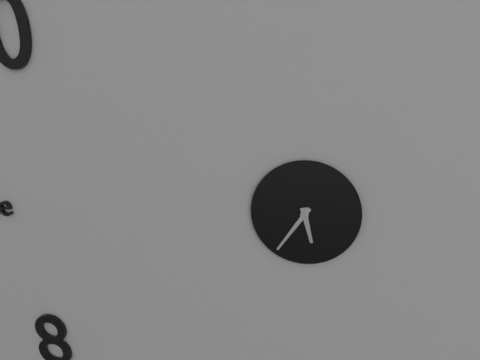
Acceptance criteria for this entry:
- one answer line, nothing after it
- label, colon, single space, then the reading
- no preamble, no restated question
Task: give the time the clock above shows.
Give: 5:36
